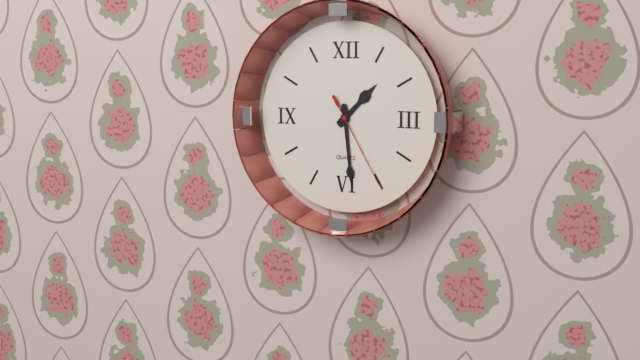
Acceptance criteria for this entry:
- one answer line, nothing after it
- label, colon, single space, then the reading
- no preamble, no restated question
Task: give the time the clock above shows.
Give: 1:29:25
